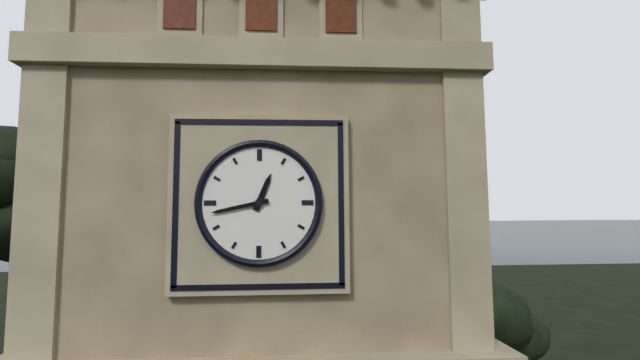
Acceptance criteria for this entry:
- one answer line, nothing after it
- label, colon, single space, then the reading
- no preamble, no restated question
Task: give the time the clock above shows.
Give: 12:43
